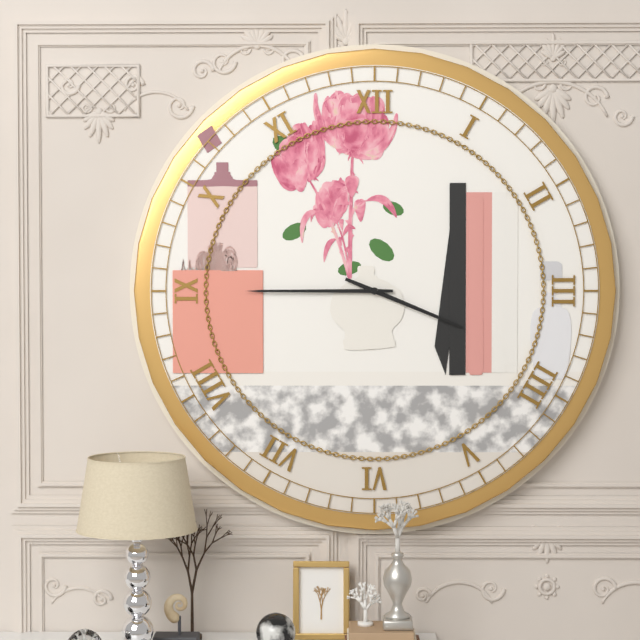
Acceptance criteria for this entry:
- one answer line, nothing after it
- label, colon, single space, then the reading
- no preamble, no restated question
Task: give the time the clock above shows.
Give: 3:45
